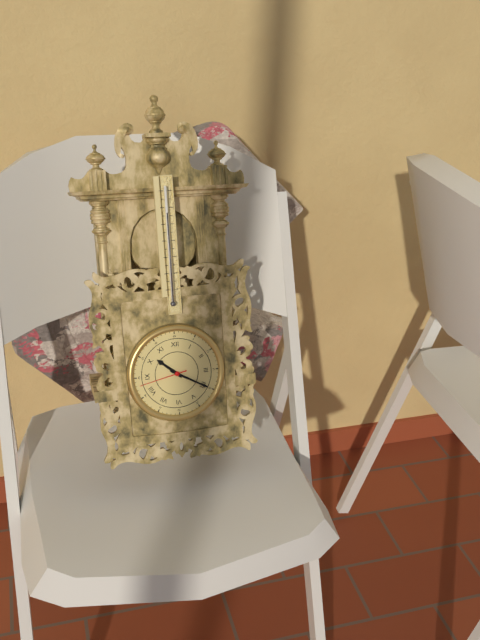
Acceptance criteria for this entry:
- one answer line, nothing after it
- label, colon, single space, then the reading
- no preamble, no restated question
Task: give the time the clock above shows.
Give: 10:20
